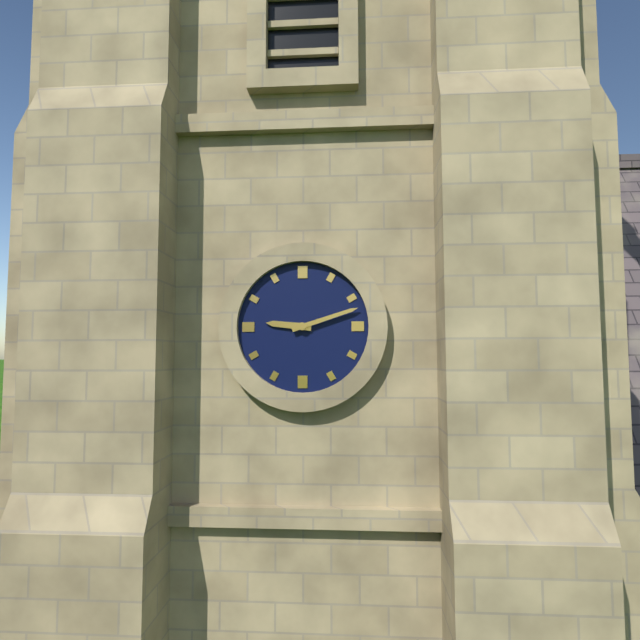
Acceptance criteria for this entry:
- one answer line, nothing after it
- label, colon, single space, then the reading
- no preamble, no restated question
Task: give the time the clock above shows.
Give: 9:12
